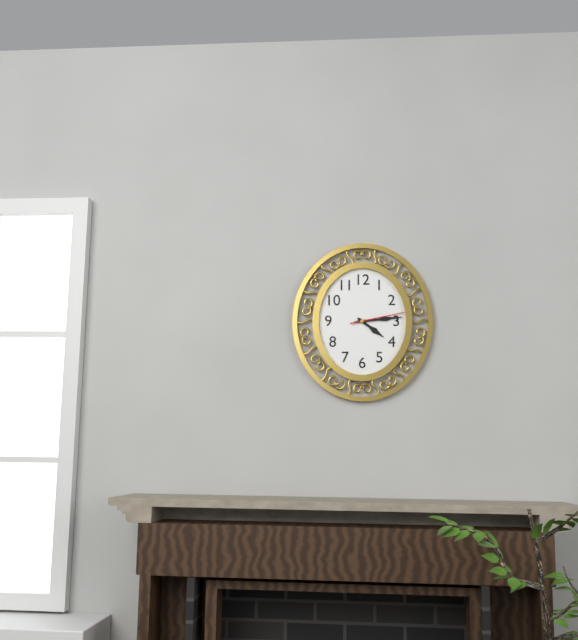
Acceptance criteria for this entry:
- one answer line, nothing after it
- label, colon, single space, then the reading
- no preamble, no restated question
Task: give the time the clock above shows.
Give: 4:14:13
